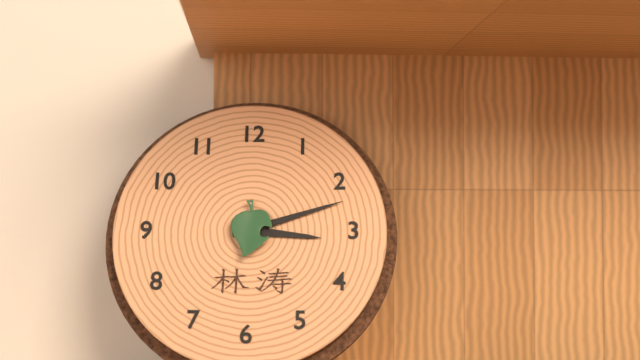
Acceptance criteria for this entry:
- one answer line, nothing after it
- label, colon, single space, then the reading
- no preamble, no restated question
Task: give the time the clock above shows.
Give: 3:12
